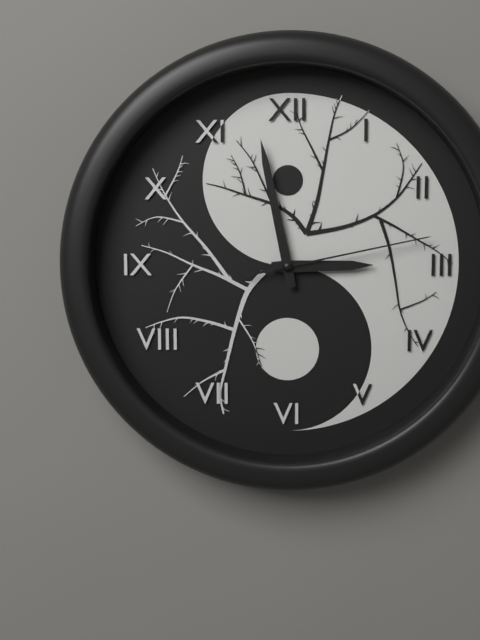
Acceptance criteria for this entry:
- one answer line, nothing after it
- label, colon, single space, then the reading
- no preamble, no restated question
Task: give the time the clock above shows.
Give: 2:58:13
